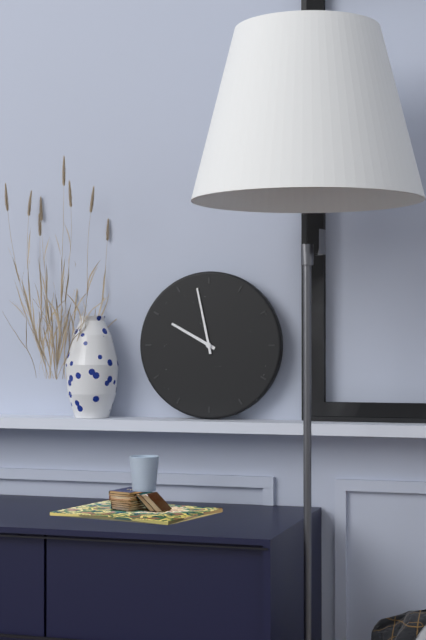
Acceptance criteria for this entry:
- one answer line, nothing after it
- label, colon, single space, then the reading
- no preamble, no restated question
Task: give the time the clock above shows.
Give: 9:58
